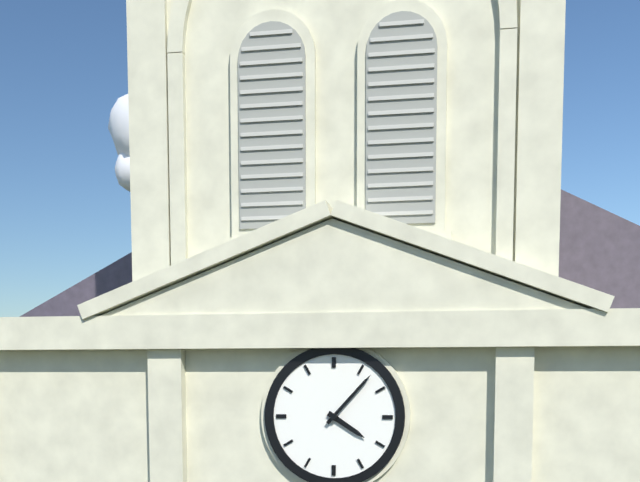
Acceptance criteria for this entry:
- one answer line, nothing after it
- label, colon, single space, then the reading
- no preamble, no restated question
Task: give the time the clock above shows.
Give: 4:07
